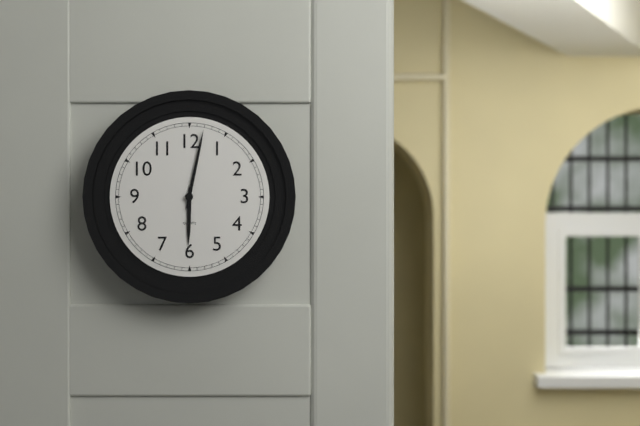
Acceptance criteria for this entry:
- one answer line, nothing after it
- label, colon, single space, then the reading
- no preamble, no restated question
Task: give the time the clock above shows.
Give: 6:02
